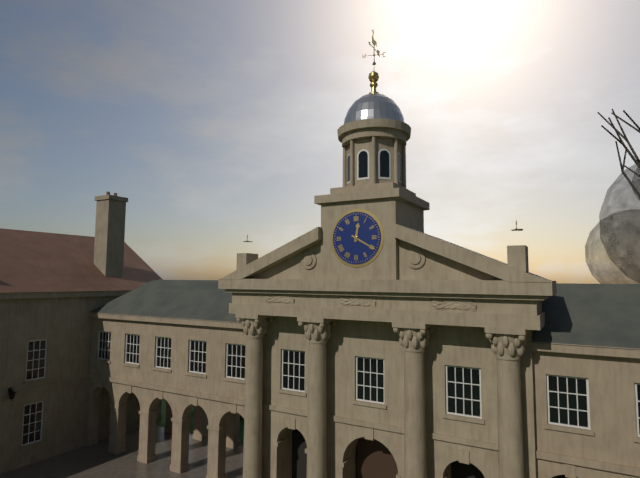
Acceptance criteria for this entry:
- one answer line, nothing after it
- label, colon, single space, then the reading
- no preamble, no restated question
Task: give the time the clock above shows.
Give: 12:20
